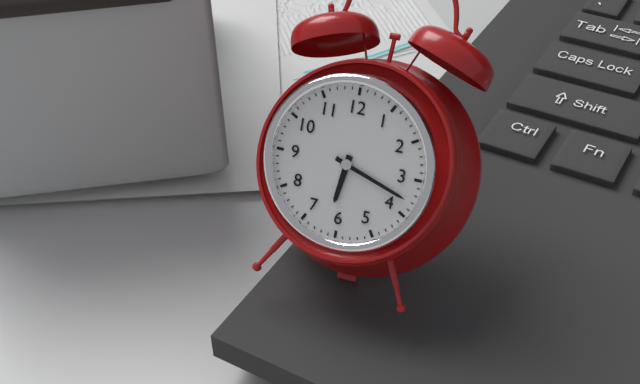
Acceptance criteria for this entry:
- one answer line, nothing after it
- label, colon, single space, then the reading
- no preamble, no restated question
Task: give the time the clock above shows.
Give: 6:18
